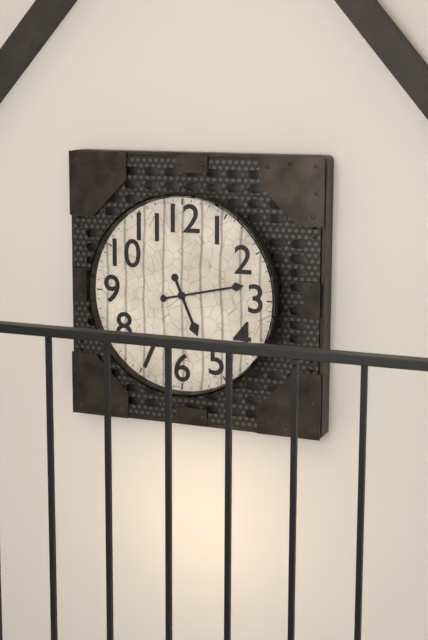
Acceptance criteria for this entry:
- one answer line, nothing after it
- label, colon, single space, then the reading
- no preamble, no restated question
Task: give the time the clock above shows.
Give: 5:13
